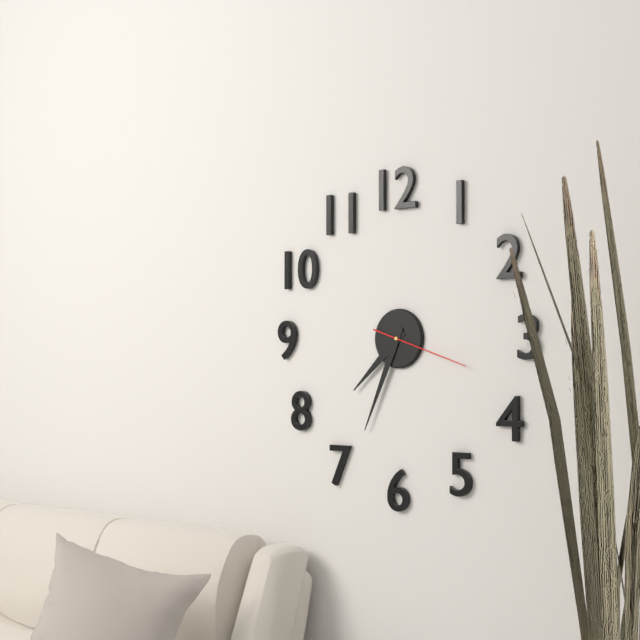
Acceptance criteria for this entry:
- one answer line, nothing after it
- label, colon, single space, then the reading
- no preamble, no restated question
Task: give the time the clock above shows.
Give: 7:34:18
